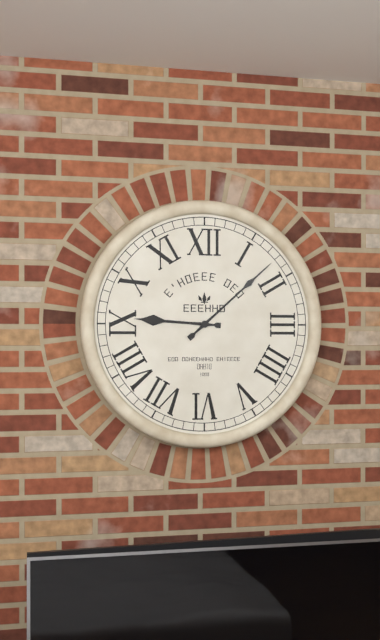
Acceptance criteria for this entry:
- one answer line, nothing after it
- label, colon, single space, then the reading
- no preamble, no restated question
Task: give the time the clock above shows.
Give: 9:08
